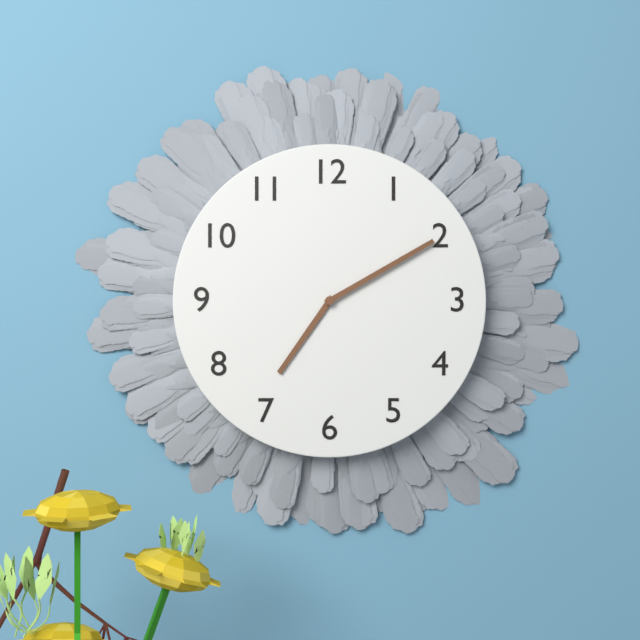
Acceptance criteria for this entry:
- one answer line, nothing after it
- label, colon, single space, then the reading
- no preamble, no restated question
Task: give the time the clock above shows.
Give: 7:10
